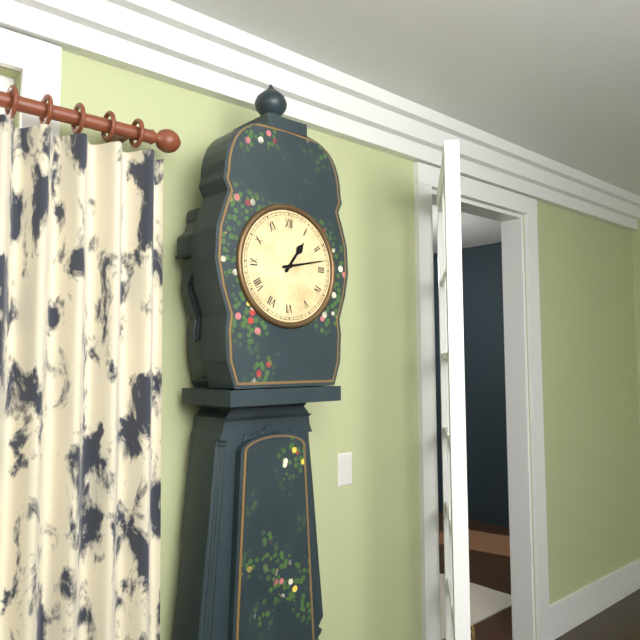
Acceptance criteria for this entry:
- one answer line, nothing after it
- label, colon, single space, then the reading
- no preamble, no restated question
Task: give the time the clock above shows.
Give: 1:13
